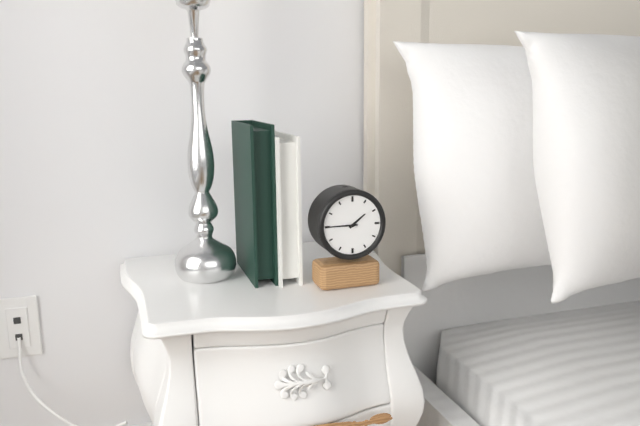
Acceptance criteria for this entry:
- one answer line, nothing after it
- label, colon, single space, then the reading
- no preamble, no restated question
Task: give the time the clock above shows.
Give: 1:45
